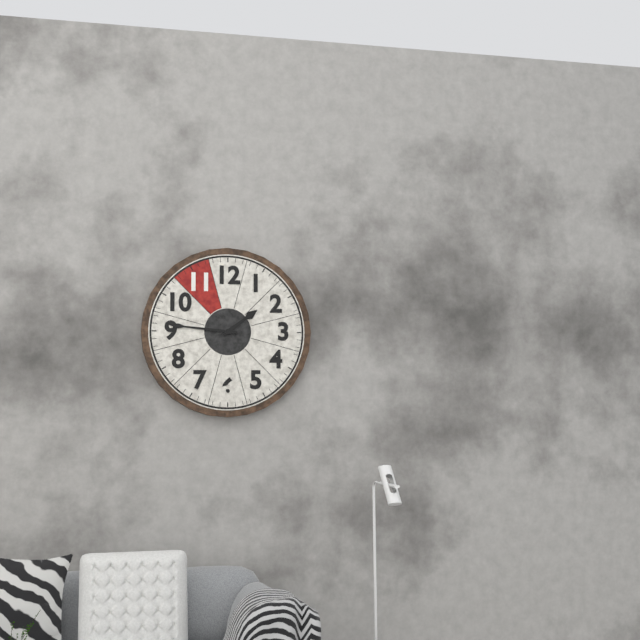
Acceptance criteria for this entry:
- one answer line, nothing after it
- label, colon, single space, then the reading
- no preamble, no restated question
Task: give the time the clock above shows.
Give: 1:46
